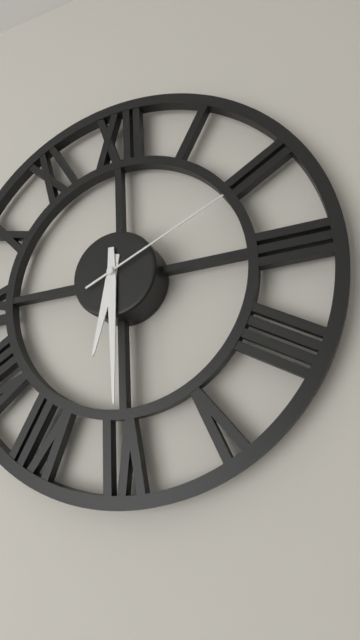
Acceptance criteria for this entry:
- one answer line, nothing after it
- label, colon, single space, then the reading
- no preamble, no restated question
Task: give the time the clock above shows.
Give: 6:30:11
